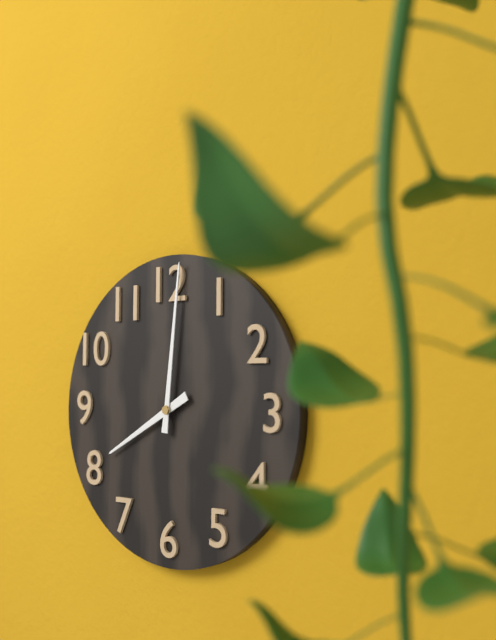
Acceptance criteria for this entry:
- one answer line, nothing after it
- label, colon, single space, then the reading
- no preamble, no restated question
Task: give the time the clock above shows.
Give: 8:01
